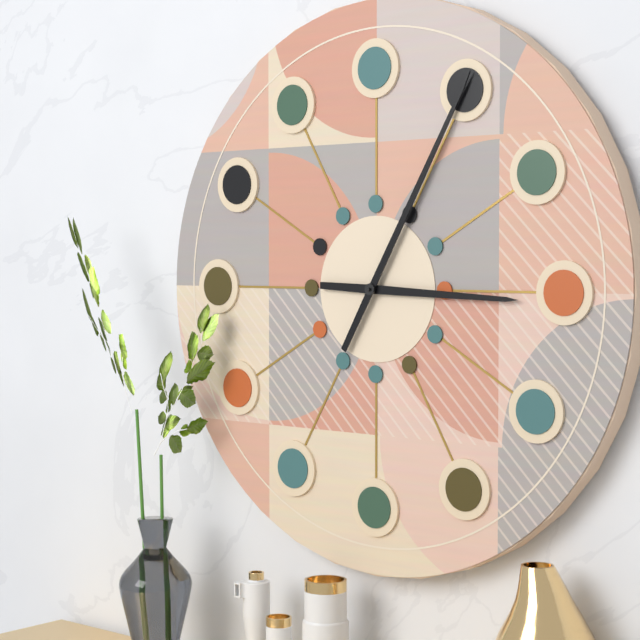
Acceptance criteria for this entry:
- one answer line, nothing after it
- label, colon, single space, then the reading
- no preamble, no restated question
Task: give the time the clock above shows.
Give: 3:05
